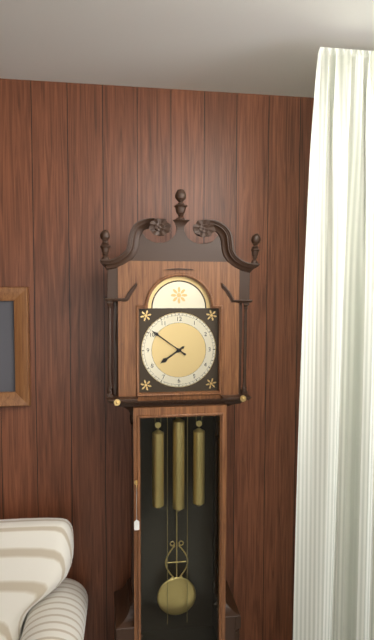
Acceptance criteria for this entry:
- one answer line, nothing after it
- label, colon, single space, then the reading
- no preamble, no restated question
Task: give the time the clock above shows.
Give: 7:51
